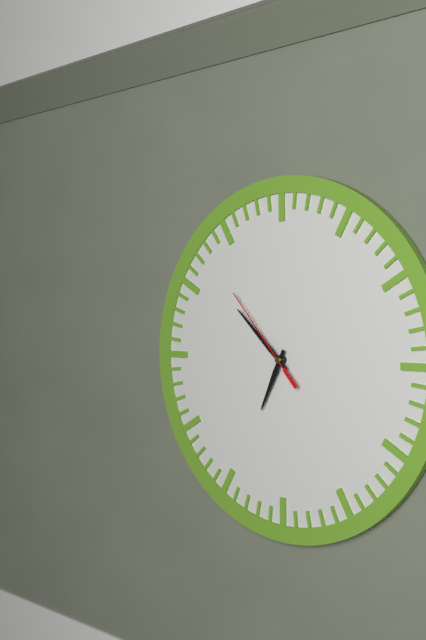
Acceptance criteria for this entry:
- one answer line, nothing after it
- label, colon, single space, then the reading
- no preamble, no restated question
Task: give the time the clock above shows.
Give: 6:52:53
